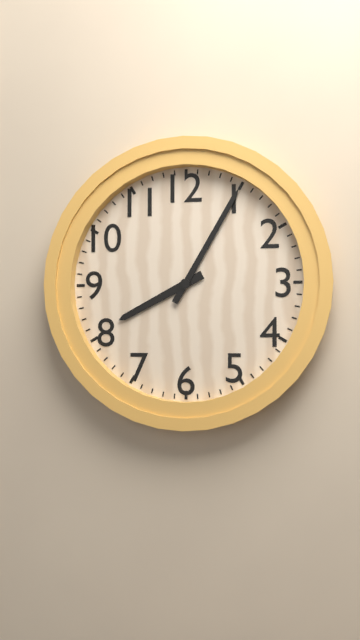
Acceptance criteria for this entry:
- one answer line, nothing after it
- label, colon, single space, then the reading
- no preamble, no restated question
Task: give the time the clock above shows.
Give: 8:05
